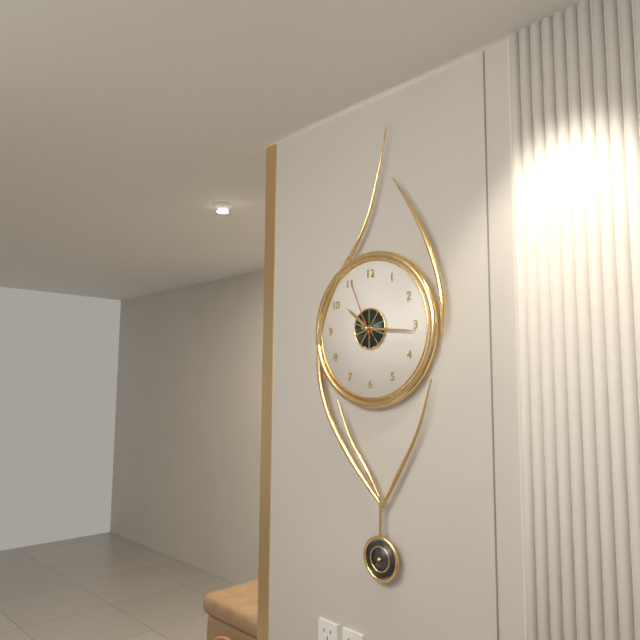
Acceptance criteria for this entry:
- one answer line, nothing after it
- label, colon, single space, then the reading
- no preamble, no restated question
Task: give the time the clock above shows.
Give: 10:16:56
